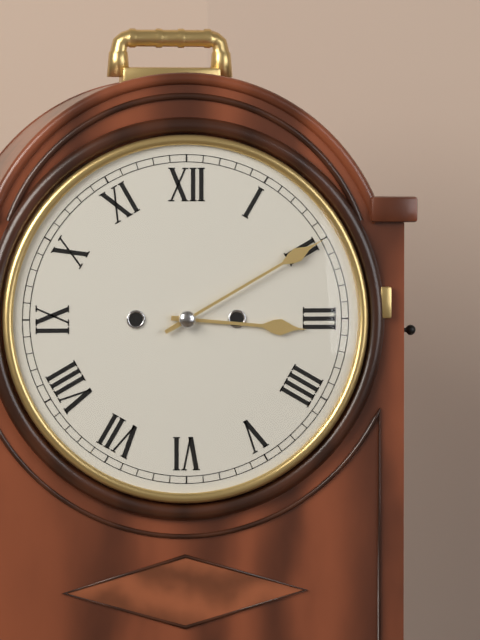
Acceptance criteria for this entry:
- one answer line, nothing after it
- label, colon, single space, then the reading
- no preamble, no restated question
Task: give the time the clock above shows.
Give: 3:10
